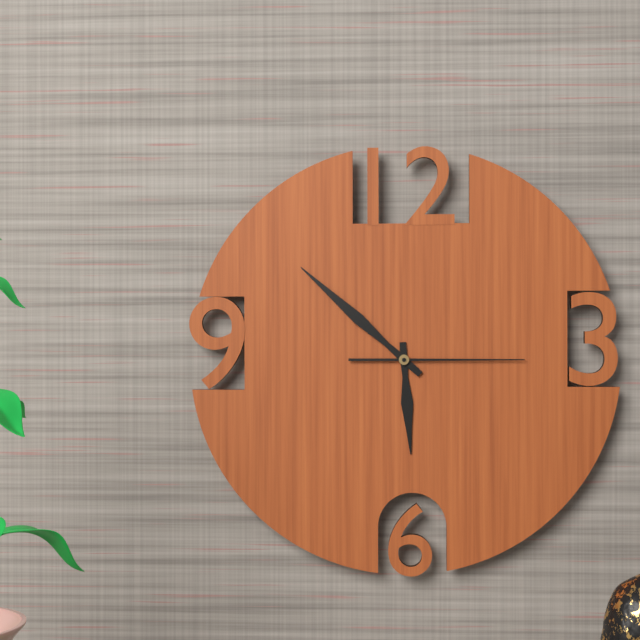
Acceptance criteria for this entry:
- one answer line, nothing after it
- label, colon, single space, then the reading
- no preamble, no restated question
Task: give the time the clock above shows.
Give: 5:52:15
